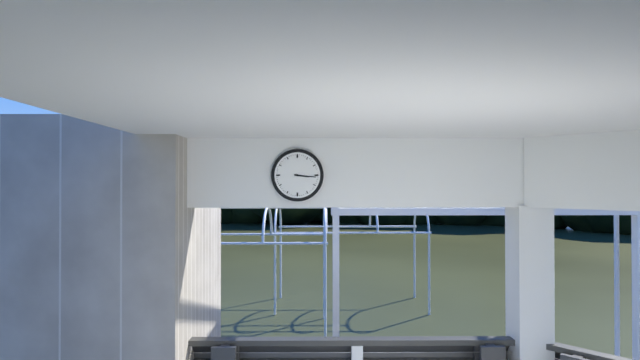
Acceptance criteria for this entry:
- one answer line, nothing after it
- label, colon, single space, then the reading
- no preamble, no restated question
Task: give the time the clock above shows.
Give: 3:16
